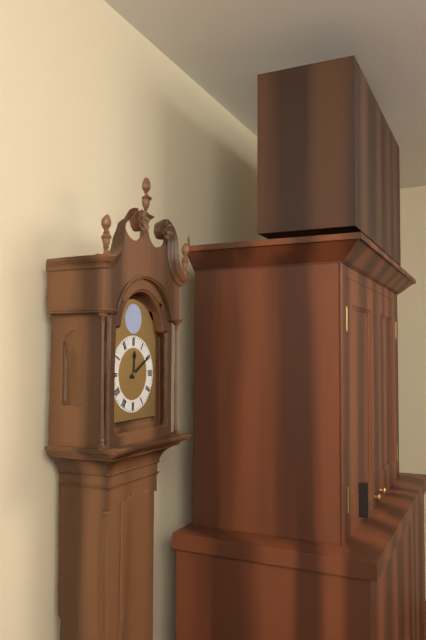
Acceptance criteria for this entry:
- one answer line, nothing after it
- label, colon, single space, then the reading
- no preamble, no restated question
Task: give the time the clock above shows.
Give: 12:10
